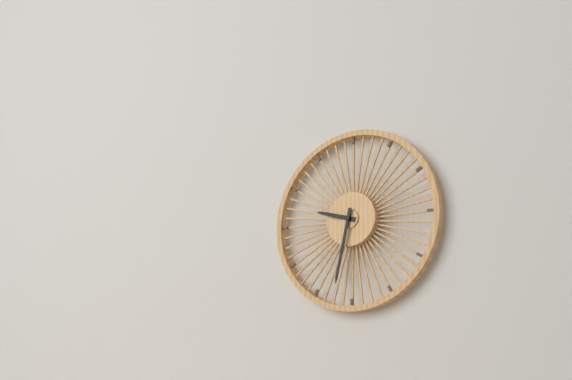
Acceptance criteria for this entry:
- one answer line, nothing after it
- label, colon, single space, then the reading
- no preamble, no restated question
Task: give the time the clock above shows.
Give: 9:32
